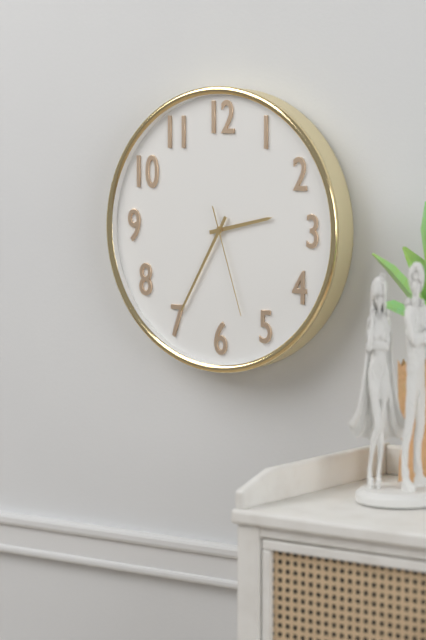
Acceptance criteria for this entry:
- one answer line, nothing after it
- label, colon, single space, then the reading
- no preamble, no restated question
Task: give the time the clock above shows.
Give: 2:35:27
